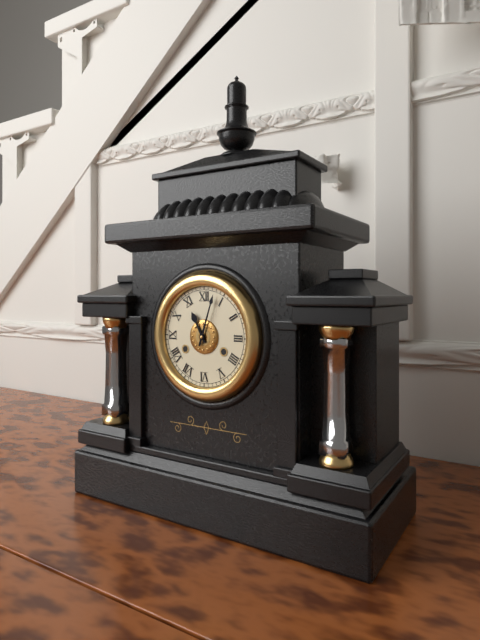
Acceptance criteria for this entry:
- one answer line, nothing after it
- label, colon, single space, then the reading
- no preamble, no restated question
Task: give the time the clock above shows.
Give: 11:03
